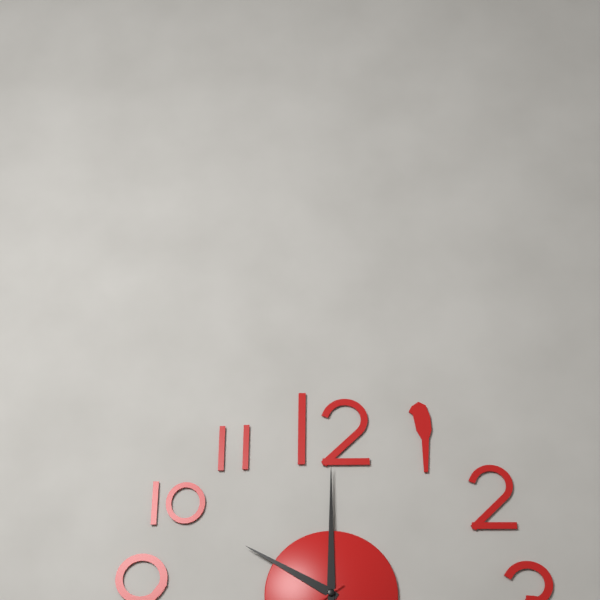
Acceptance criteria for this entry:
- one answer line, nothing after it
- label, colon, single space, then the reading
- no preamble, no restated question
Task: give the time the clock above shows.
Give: 10:00
